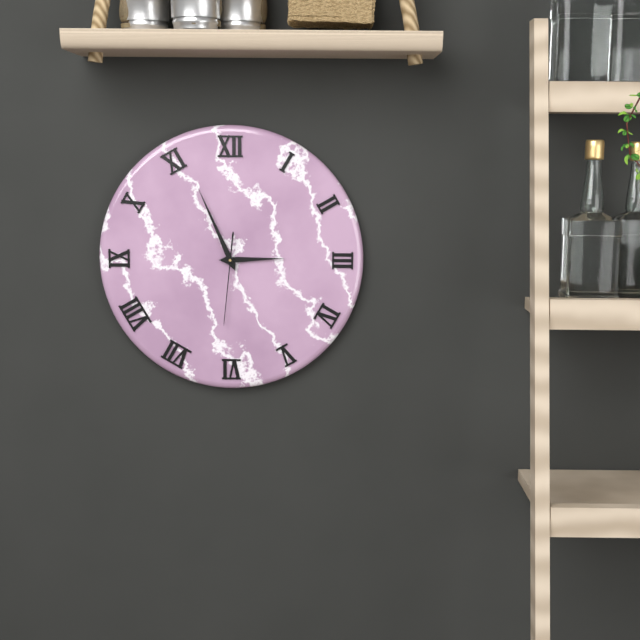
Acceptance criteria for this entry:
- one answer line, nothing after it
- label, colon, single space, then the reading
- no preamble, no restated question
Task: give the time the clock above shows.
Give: 2:56:31
